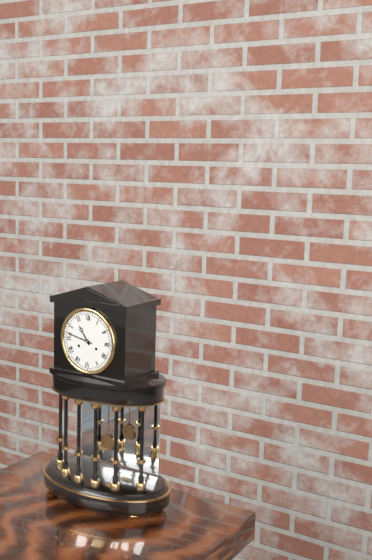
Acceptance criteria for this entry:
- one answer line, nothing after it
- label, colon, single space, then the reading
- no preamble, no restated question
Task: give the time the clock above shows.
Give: 10:47
